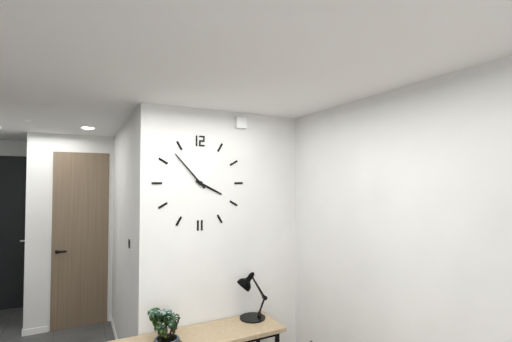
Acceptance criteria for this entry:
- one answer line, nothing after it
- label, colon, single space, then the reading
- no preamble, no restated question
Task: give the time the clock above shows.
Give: 3:53
